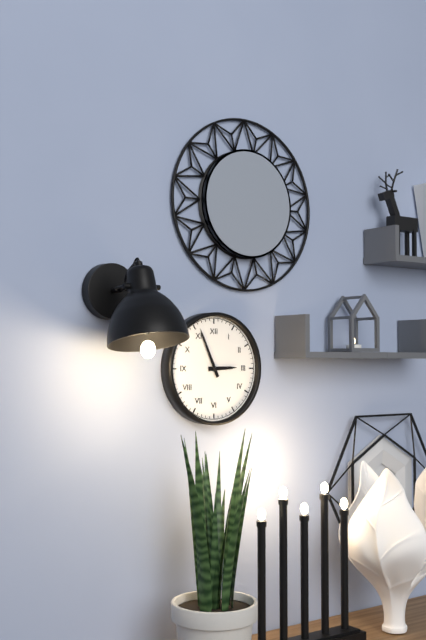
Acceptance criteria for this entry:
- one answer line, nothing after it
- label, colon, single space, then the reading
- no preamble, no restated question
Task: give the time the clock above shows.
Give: 2:56
